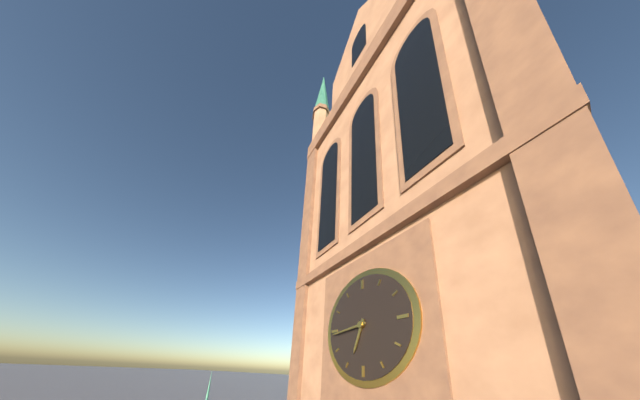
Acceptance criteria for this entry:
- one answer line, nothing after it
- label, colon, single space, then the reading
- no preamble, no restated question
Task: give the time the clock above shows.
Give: 6:44
